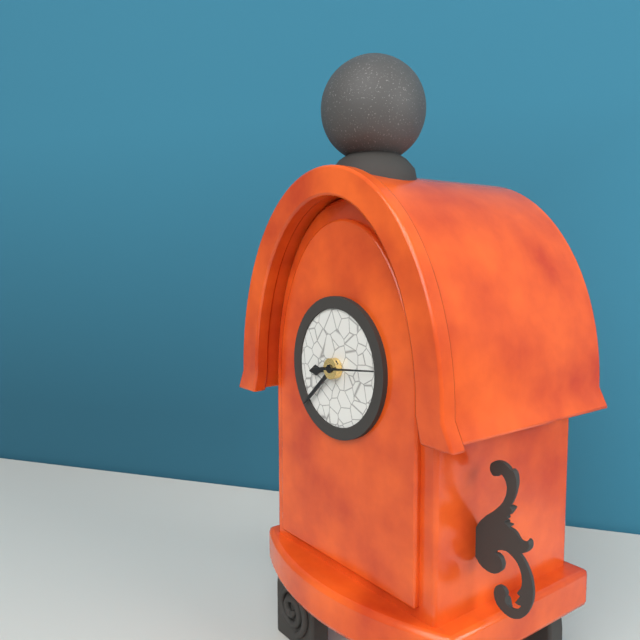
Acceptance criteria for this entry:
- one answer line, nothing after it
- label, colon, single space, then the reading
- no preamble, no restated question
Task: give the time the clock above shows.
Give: 8:38:14
